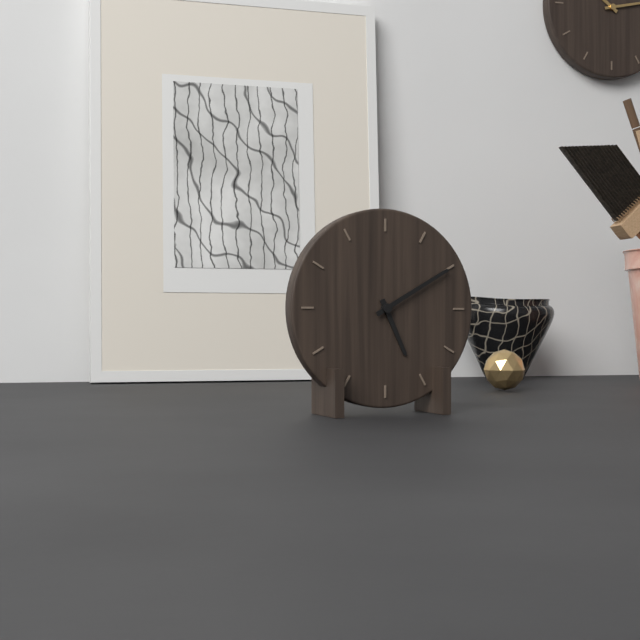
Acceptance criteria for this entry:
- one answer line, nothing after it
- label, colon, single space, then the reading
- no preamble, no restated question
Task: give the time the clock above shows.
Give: 5:10
